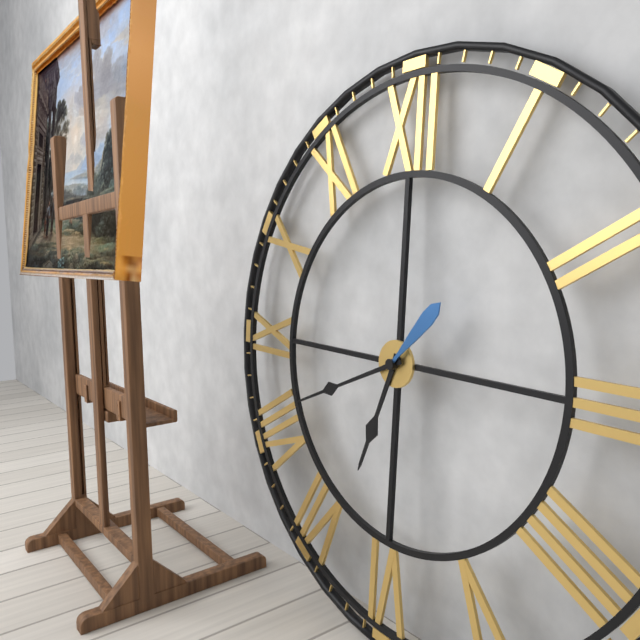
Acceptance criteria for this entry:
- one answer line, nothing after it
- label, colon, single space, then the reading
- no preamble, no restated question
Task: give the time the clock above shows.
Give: 6:41:07
